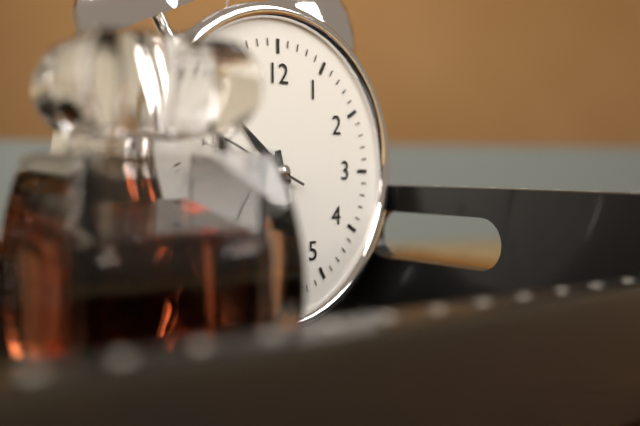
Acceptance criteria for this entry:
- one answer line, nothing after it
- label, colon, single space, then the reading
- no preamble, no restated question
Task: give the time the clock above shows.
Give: 10:28:49
